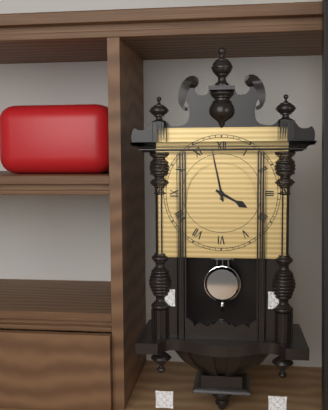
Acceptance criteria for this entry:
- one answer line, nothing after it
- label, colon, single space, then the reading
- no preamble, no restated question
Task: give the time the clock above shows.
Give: 3:58
